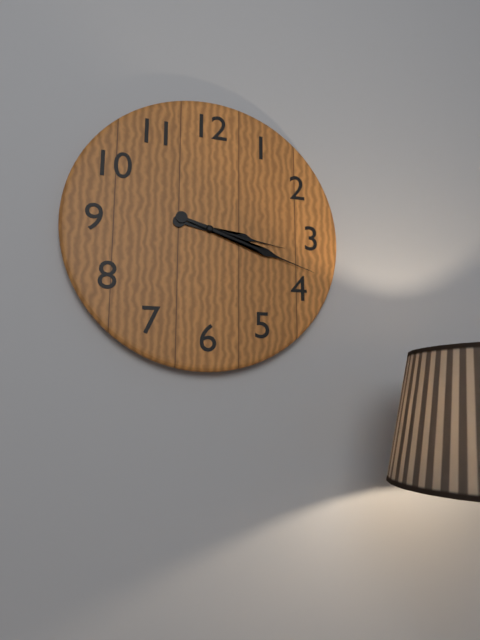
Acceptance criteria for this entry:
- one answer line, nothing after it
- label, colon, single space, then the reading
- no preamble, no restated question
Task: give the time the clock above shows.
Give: 3:18
